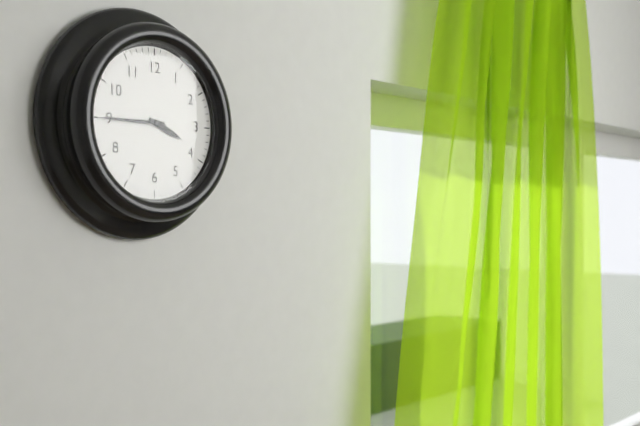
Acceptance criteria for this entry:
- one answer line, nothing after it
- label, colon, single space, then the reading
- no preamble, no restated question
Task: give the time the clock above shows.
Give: 3:45
